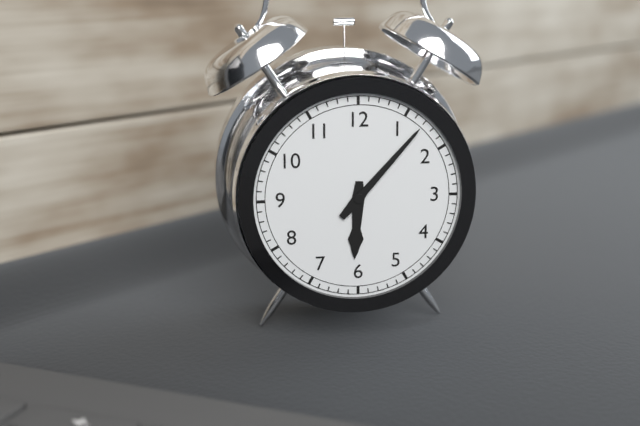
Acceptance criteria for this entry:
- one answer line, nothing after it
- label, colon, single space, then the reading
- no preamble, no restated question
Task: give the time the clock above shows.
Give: 6:07
